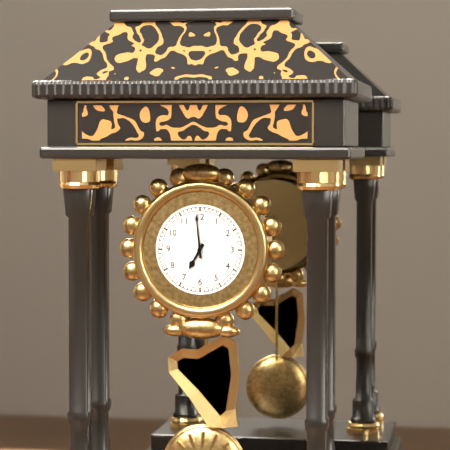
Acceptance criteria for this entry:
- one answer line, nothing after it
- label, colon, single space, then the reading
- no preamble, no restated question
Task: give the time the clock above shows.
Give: 6:59
